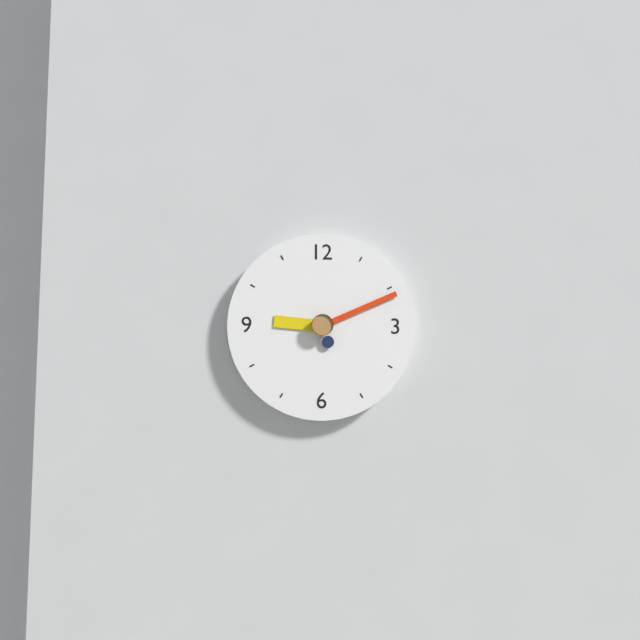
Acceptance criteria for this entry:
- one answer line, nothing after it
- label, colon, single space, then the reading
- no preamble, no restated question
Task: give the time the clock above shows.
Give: 9:11
